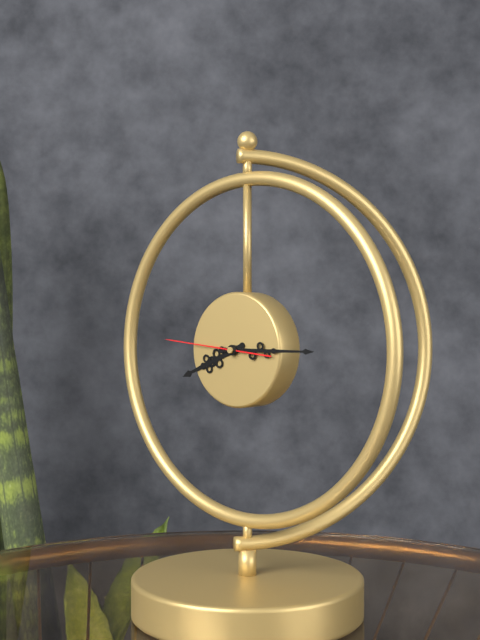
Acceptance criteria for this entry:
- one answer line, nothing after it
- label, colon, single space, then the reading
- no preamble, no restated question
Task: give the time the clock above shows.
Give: 8:15:46
